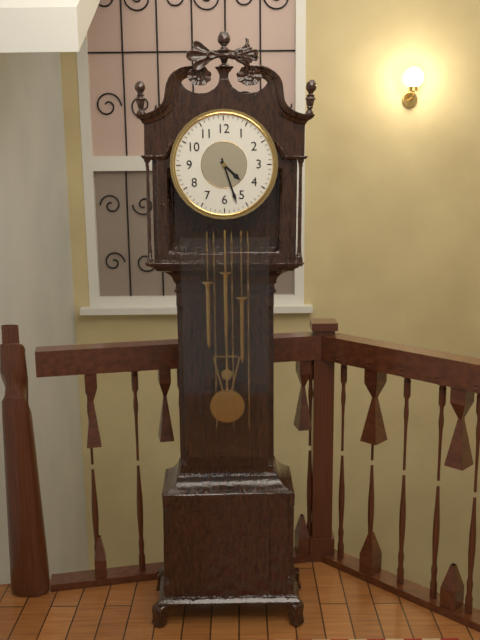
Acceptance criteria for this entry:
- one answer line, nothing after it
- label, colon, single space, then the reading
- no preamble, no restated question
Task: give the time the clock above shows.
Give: 4:27
